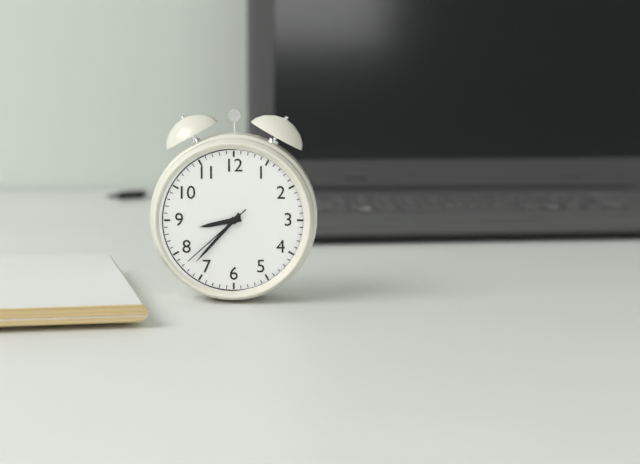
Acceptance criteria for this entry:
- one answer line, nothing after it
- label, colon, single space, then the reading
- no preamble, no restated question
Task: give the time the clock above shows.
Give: 8:37:38
